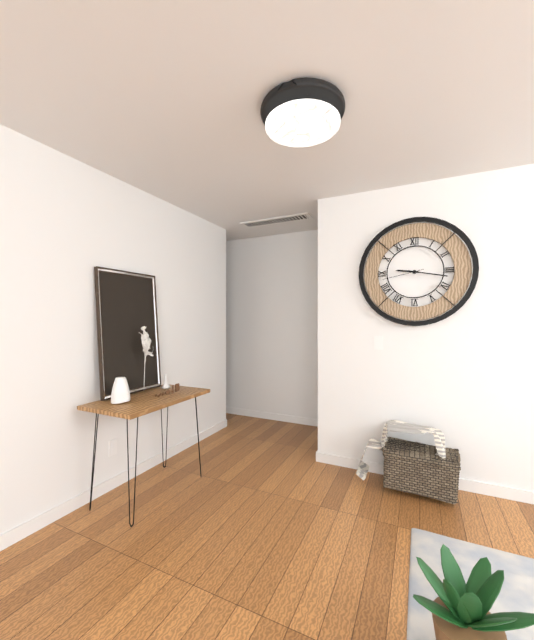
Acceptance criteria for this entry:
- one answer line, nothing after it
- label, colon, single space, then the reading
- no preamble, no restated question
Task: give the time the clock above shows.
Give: 9:17
